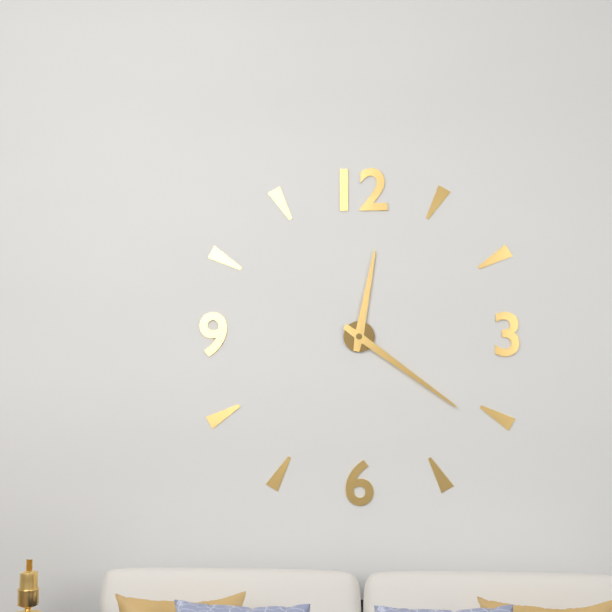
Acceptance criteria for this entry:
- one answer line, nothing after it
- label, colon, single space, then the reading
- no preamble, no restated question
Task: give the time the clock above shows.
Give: 12:21
